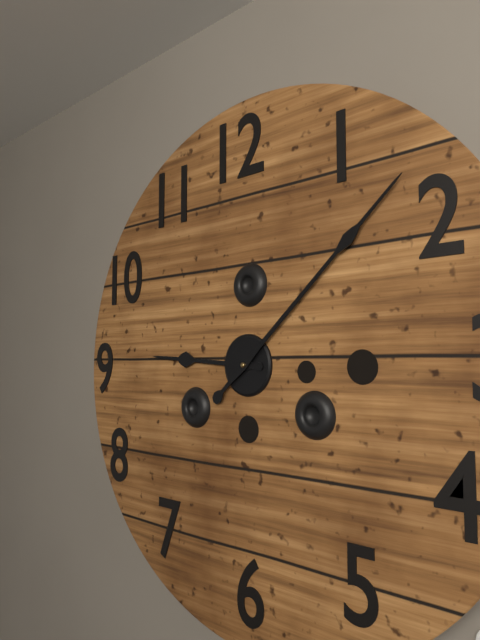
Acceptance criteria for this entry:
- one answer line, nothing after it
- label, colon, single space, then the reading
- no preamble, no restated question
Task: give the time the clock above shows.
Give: 9:08
